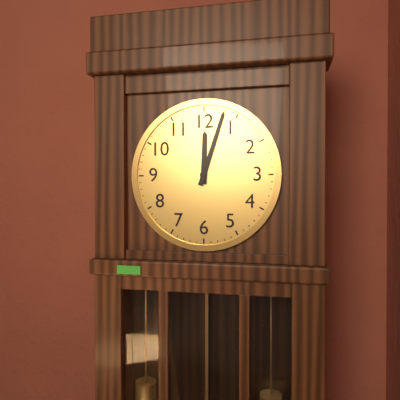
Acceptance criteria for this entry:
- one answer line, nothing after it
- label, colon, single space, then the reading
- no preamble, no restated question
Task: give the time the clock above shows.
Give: 12:03
